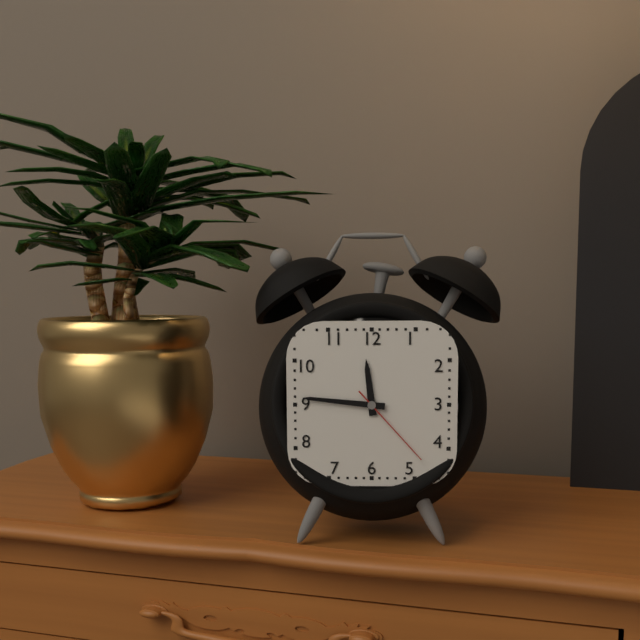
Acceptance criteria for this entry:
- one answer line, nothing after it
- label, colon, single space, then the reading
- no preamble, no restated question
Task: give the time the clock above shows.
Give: 11:46:23
